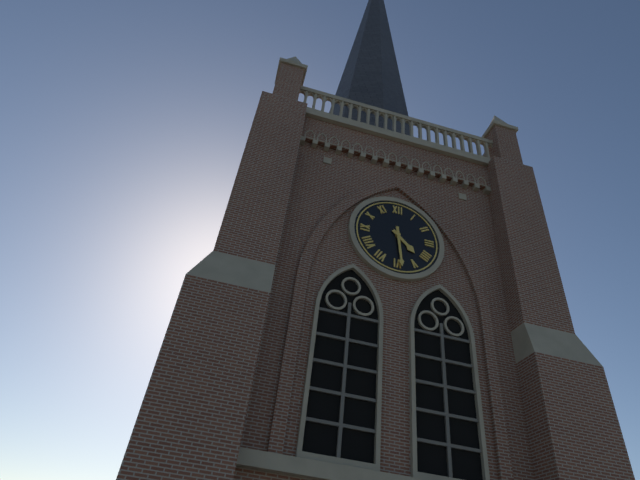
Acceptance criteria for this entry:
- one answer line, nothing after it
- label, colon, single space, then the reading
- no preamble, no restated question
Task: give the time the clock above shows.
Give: 4:29
